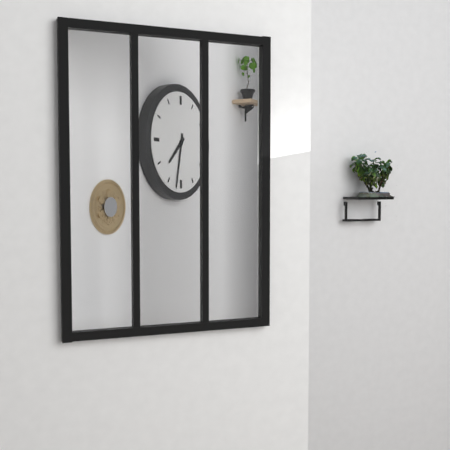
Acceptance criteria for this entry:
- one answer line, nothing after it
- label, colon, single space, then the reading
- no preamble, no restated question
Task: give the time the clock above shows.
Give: 7:32
